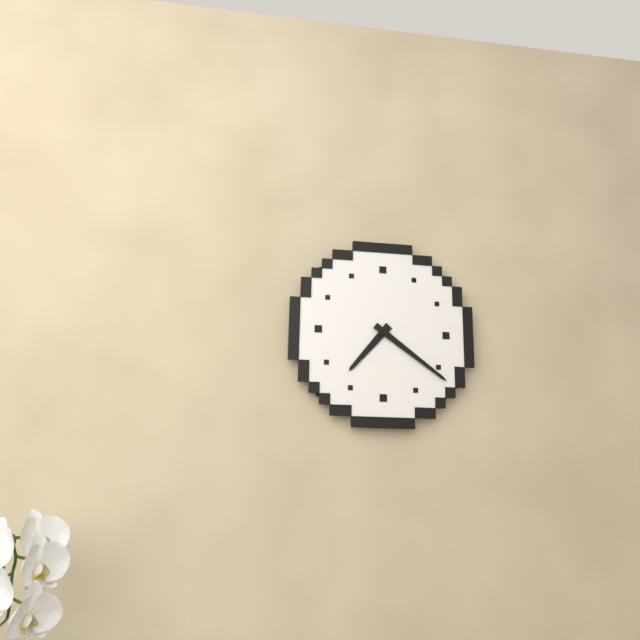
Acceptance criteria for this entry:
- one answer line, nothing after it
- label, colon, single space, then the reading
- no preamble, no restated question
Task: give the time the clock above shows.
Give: 7:21
